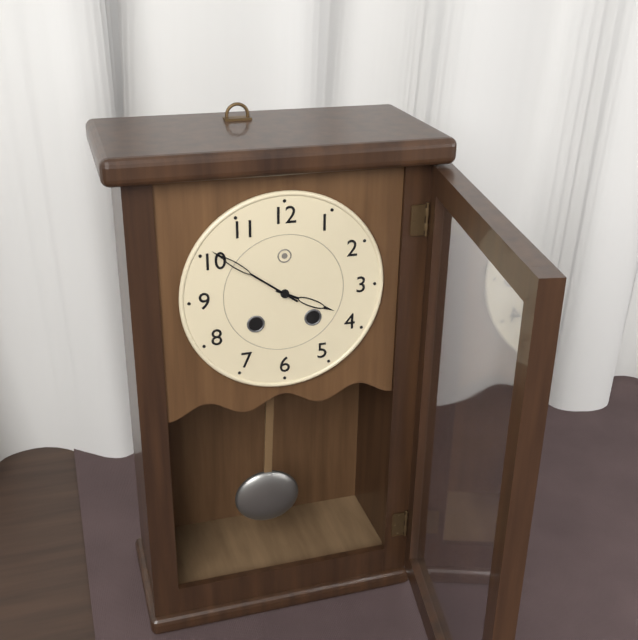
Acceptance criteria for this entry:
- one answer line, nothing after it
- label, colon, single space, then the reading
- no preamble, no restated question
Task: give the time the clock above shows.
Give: 3:51
